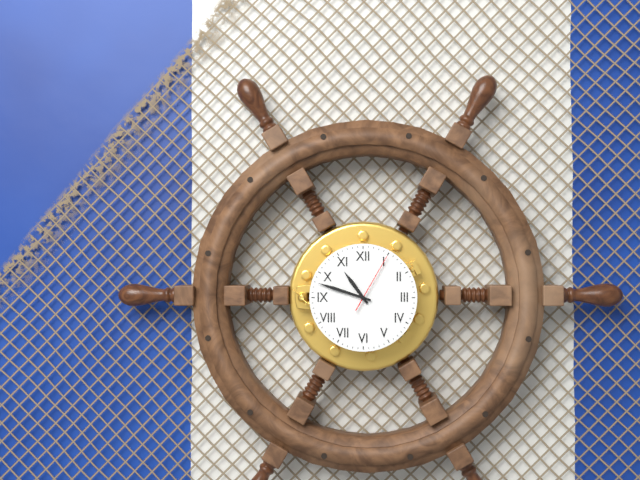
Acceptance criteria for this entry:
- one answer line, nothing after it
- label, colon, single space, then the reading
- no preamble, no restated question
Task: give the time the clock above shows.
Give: 10:48:05
